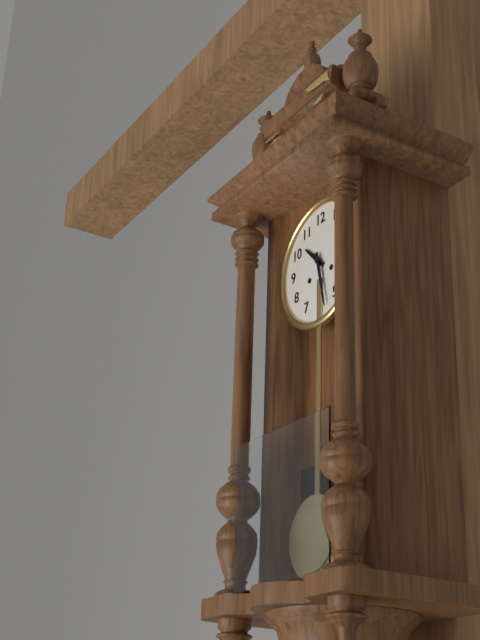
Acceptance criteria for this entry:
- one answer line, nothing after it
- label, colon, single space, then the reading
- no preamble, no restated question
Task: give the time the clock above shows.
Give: 10:28
